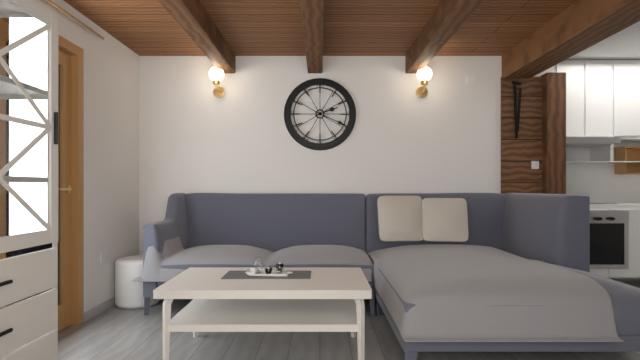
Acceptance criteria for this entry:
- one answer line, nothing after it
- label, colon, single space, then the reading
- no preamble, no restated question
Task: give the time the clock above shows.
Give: 2:19
